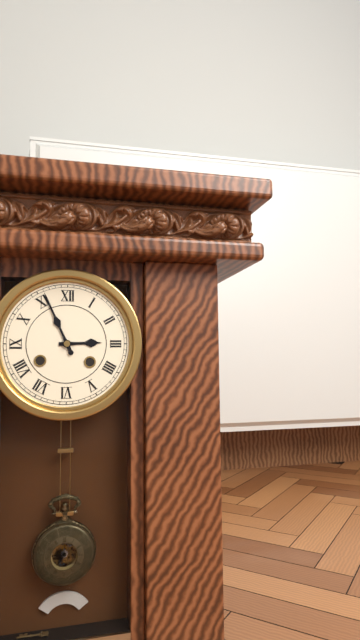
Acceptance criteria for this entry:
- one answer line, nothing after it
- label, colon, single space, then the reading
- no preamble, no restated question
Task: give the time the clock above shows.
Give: 2:56
